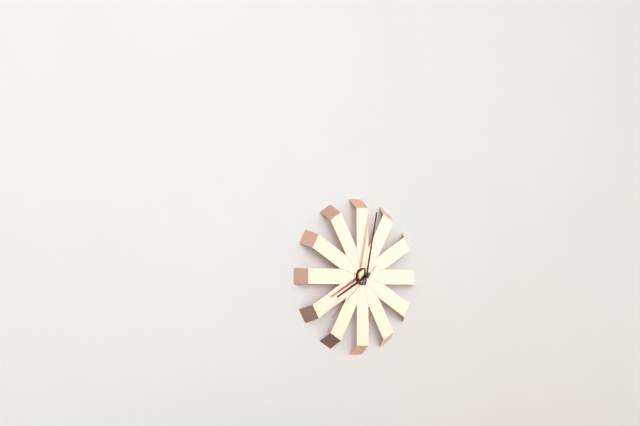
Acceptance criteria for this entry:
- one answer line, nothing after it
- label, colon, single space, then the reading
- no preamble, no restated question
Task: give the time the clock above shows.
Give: 8:02:38
